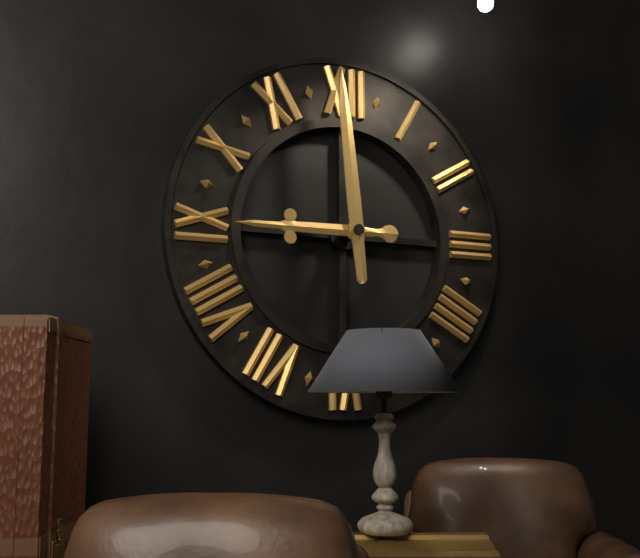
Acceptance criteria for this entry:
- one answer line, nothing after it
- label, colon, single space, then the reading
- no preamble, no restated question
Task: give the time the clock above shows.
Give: 8:59
